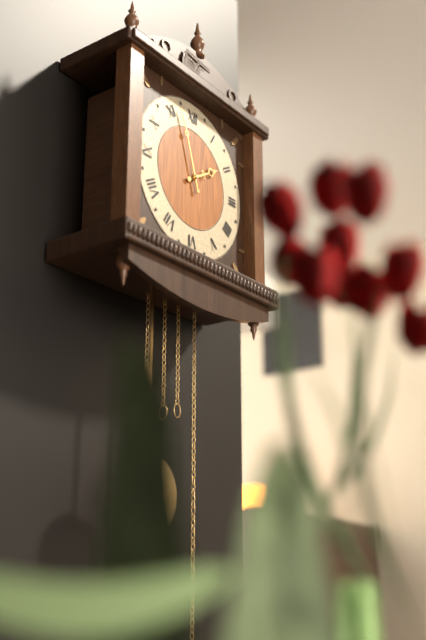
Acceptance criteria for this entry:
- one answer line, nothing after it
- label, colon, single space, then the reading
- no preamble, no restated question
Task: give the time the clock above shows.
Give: 1:57
